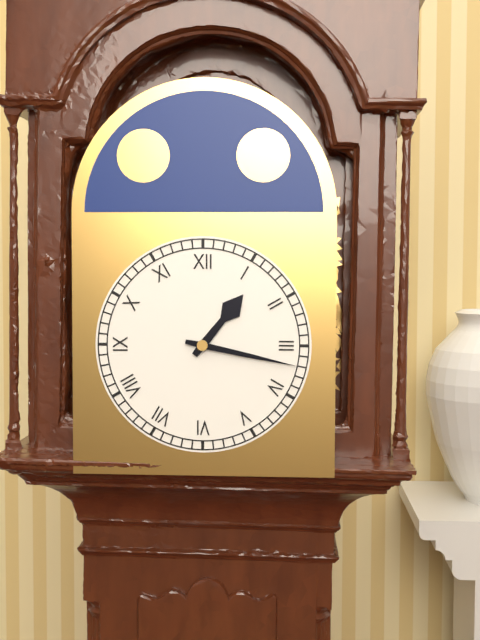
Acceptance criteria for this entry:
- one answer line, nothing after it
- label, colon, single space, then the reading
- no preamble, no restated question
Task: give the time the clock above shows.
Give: 1:17
